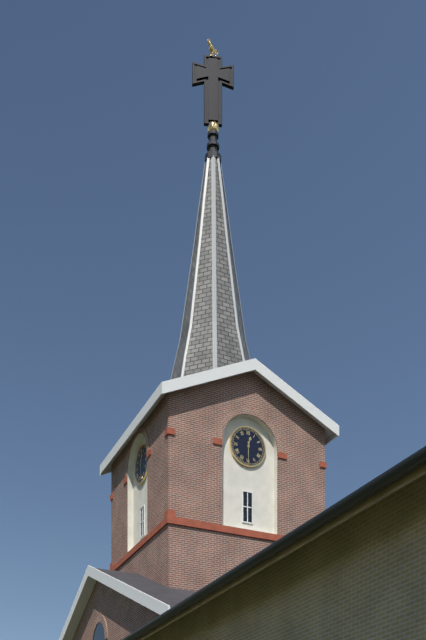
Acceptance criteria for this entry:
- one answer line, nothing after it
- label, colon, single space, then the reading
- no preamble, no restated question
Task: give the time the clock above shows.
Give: 12:30
